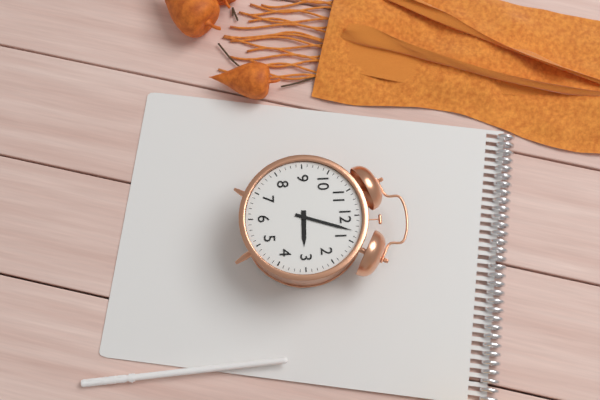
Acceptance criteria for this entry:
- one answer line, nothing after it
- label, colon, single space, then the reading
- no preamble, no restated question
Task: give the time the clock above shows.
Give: 3:03
